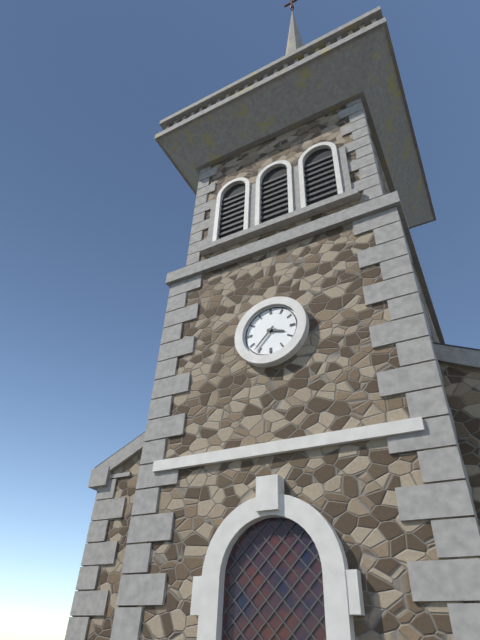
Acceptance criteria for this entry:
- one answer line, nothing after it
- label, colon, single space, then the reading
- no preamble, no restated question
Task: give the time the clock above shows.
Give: 3:37
